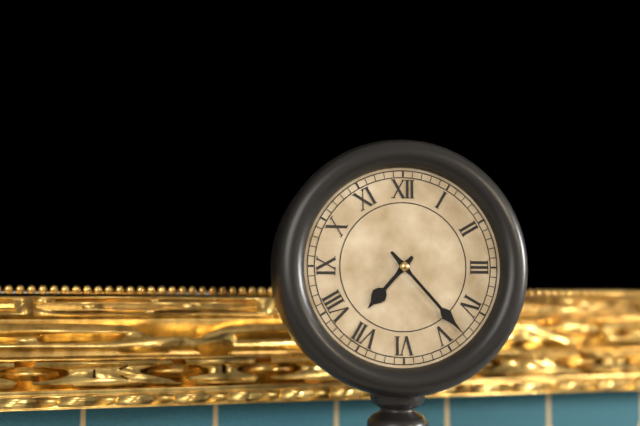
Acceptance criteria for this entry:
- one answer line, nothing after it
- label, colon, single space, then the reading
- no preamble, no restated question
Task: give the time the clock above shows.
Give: 7:23
